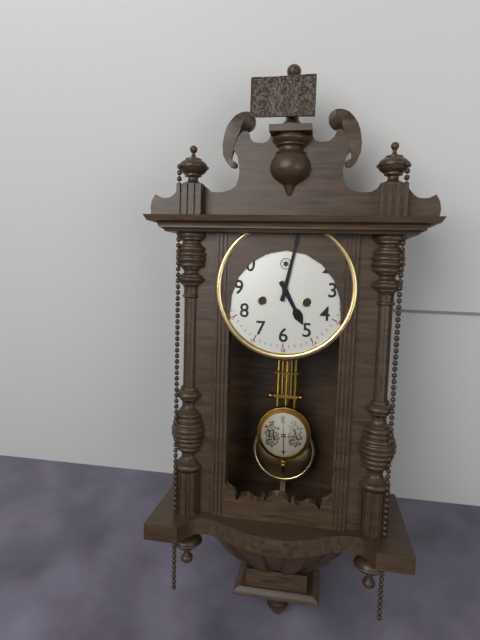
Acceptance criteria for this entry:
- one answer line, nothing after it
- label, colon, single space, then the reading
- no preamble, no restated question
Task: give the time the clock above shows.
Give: 5:02
